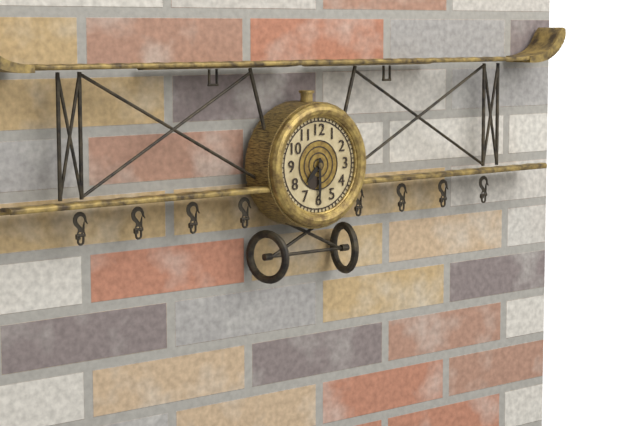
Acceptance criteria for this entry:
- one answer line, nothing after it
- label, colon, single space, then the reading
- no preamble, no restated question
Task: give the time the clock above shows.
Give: 7:30
